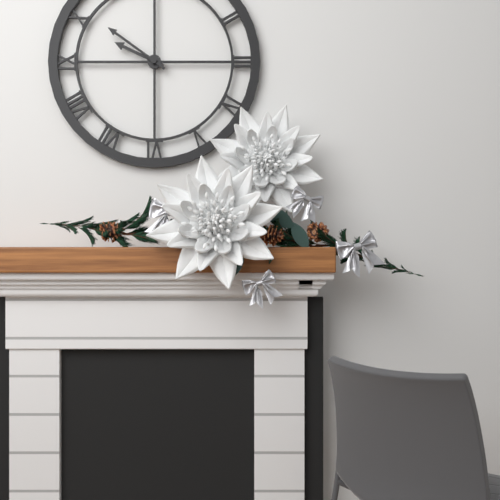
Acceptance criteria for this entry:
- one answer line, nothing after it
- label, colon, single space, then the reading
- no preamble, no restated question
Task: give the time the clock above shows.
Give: 9:51
